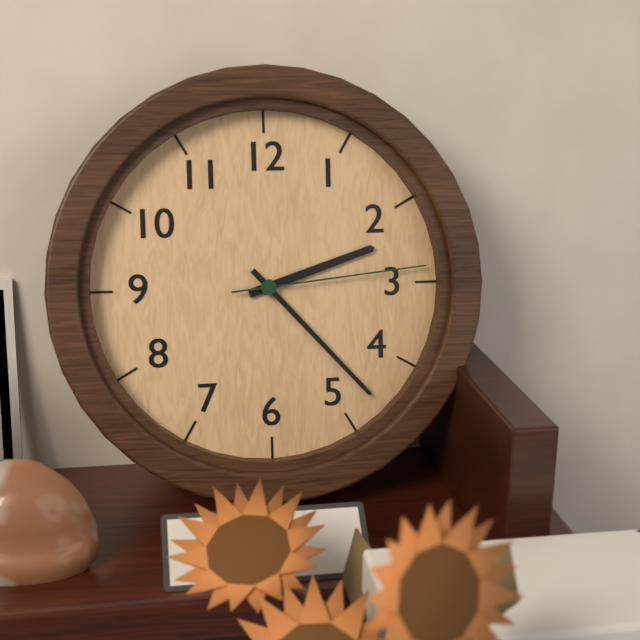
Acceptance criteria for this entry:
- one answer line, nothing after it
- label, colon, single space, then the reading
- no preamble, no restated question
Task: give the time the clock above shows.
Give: 2:23:14
